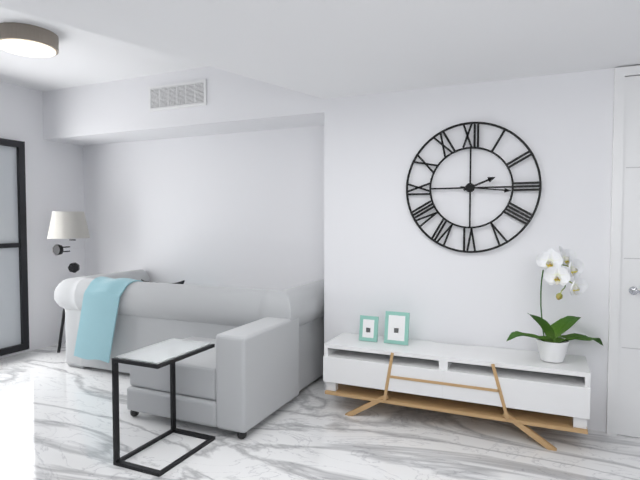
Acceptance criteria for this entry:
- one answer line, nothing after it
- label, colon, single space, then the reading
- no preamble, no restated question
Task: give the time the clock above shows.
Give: 2:16
